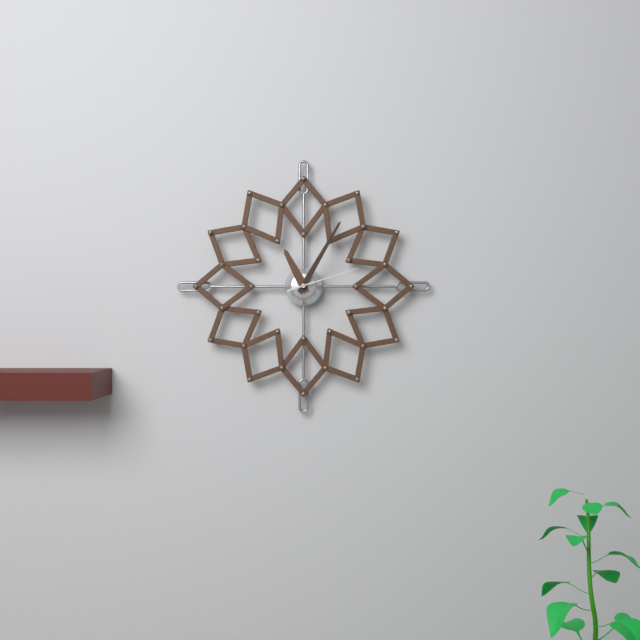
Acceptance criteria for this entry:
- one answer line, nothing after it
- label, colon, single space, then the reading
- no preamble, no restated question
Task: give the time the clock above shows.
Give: 11:05:12
